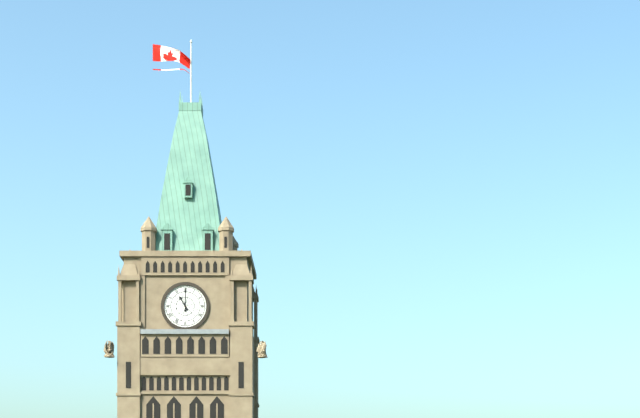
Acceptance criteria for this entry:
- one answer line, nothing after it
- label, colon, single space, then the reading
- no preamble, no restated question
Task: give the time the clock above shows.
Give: 11:00
